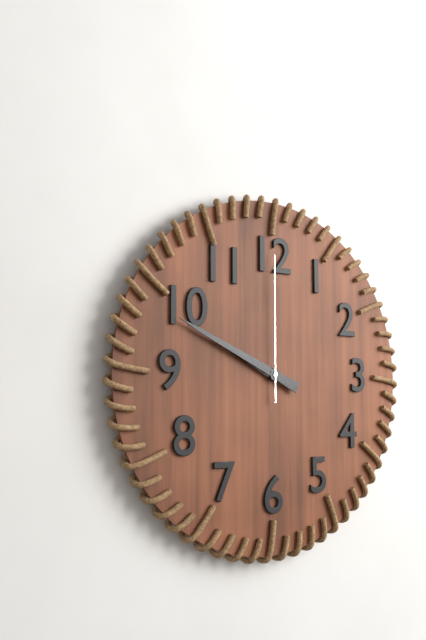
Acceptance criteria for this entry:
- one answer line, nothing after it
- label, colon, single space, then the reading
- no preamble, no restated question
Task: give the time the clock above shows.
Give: 9:49:00
